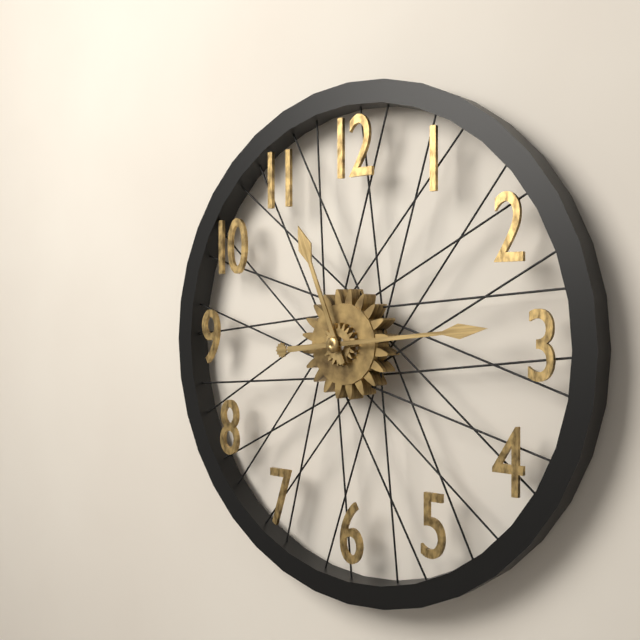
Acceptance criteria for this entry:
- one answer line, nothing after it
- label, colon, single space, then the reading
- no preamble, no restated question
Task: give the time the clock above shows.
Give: 11:14
